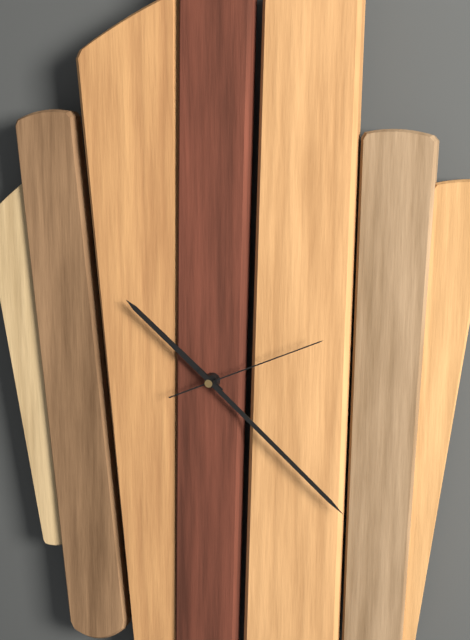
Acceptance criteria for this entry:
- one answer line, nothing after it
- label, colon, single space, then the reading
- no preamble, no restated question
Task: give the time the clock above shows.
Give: 10:22:11
